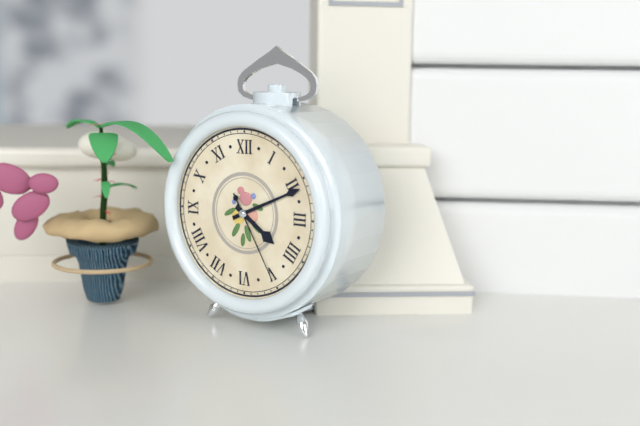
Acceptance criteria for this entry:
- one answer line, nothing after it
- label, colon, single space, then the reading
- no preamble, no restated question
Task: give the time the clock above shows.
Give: 4:11:25
